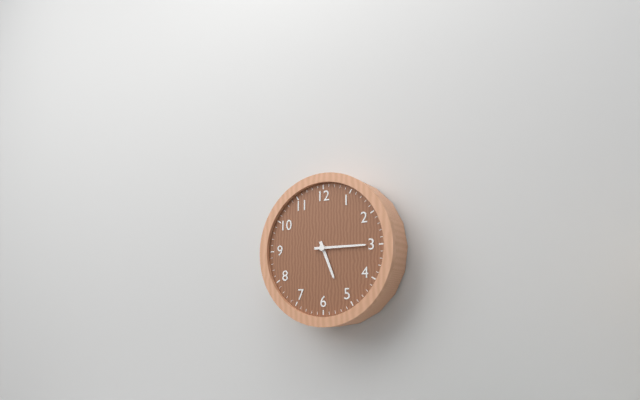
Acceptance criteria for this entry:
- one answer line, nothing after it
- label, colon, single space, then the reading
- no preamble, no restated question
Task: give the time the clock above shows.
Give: 5:15
